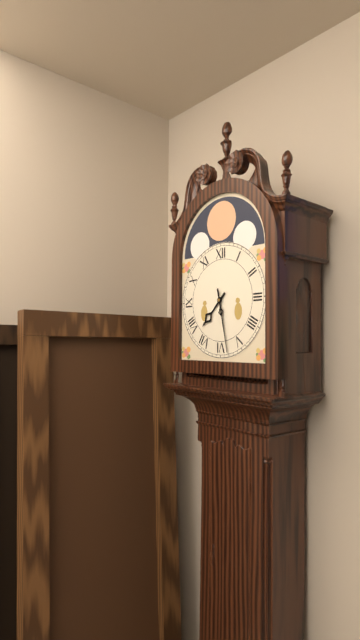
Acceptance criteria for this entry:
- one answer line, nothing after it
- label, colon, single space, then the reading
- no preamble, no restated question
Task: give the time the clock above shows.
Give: 7:28
